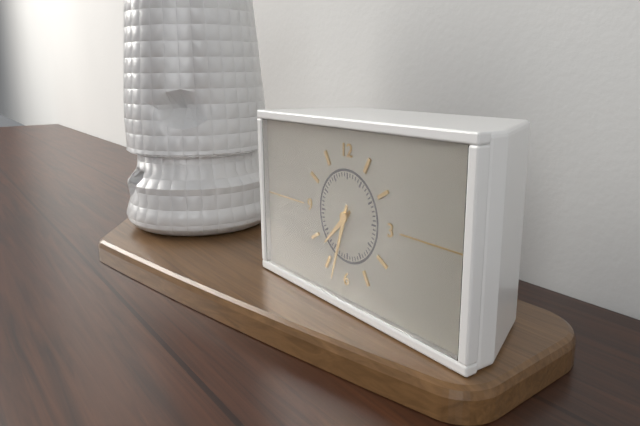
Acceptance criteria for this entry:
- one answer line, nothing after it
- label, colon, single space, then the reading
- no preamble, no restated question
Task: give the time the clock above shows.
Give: 7:33
